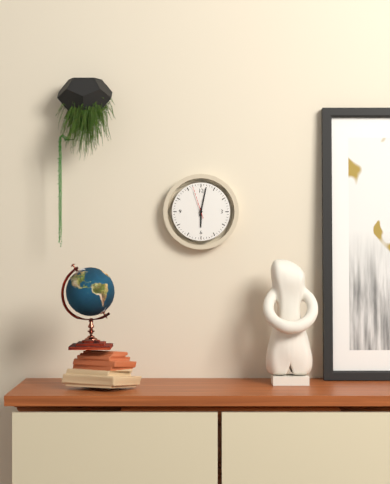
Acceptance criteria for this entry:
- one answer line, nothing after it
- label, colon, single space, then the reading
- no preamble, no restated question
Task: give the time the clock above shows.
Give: 6:02
